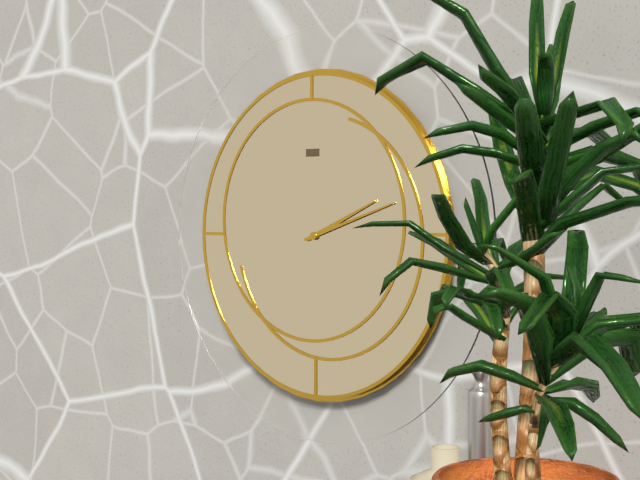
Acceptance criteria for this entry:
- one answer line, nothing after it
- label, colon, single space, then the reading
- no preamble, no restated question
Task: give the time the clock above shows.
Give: 2:12
